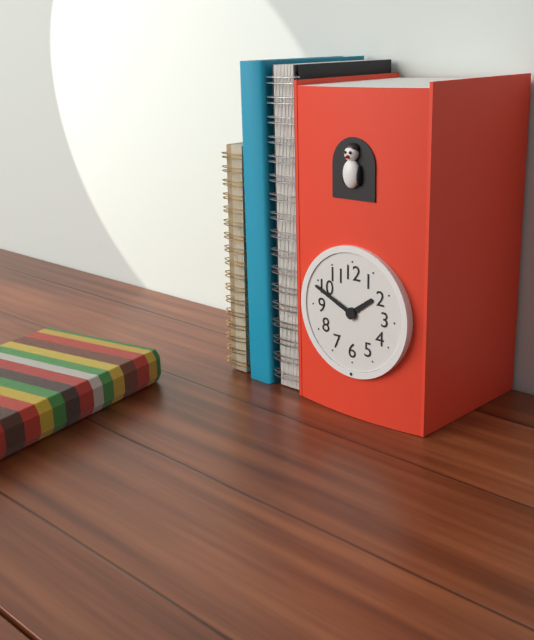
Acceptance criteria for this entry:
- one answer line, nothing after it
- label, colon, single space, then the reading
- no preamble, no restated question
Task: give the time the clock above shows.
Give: 1:49
